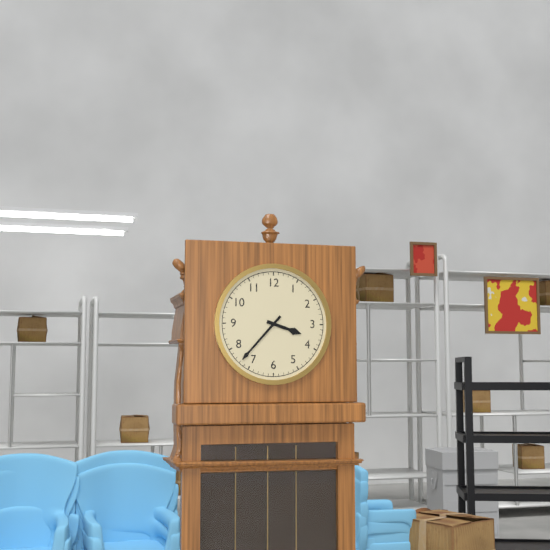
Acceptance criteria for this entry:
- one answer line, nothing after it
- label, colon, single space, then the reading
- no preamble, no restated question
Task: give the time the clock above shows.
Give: 3:37
